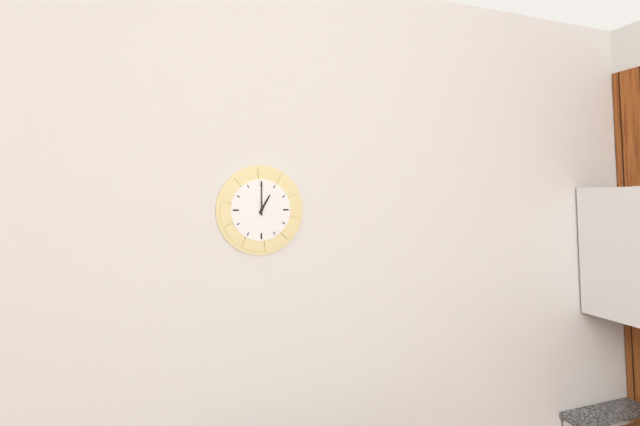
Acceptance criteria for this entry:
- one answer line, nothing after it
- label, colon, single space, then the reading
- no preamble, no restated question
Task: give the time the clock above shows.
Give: 1:00
